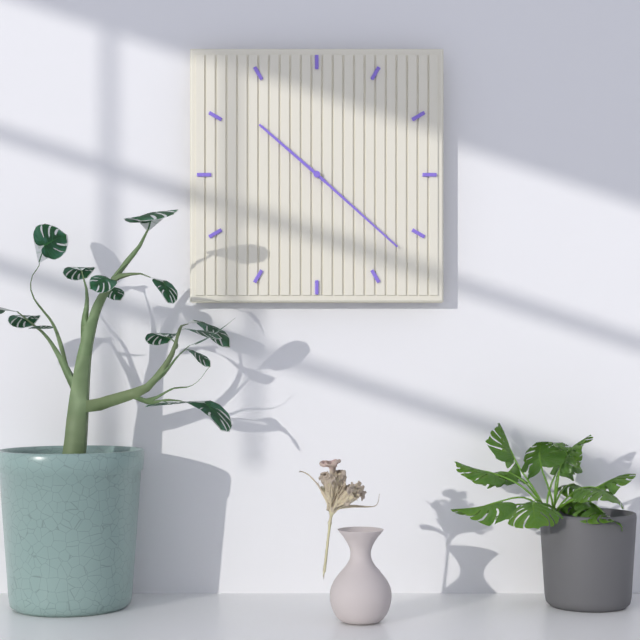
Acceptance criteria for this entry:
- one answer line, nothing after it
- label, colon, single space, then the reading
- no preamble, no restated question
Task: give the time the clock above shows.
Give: 10:22
